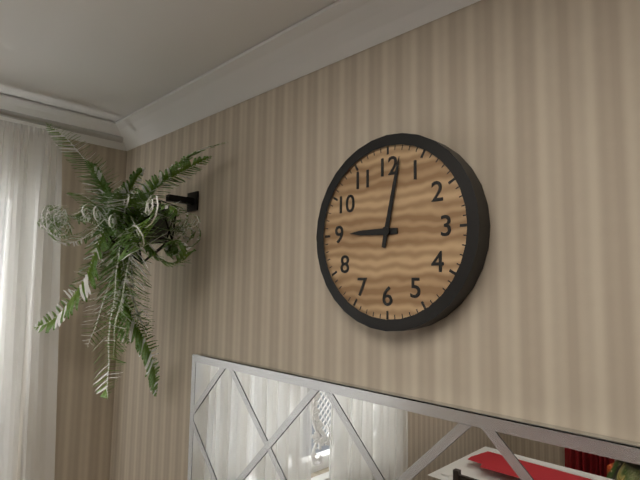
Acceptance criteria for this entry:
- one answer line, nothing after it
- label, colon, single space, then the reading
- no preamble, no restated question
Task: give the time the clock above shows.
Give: 9:02
